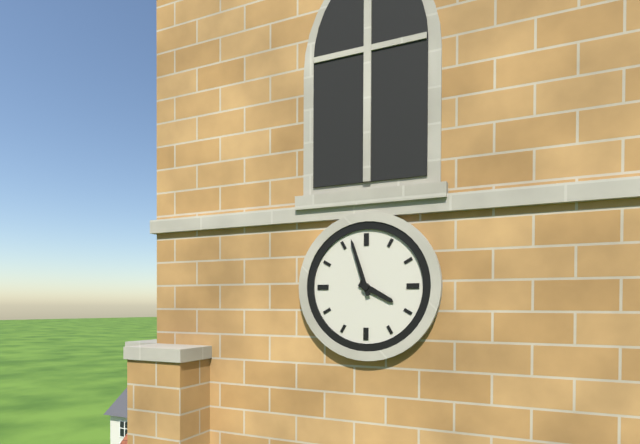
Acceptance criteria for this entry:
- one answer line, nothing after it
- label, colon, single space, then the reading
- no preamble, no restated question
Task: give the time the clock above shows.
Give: 3:57
